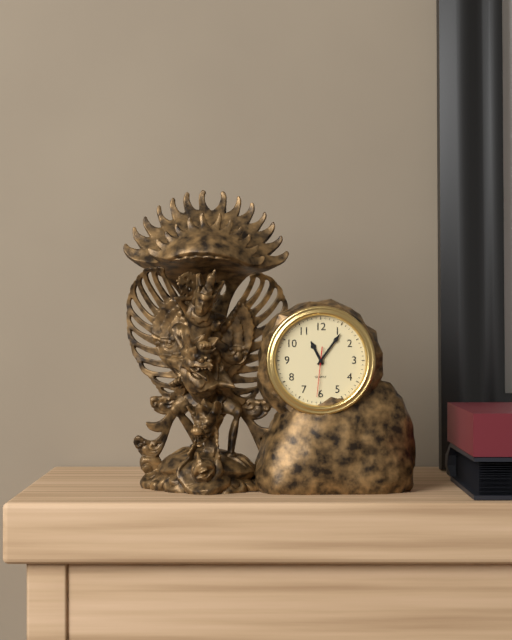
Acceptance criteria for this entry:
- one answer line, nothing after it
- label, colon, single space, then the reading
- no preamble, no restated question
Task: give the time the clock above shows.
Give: 11:06
